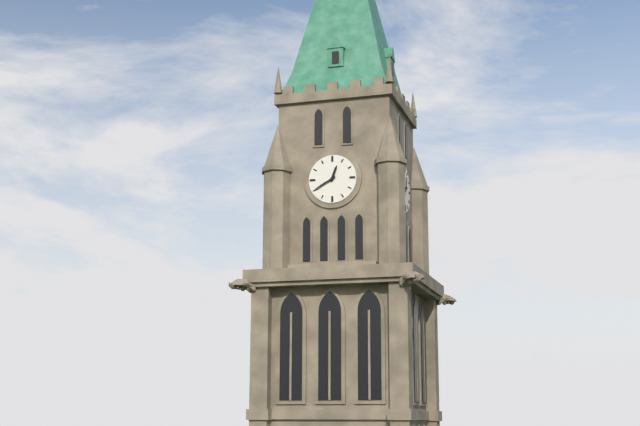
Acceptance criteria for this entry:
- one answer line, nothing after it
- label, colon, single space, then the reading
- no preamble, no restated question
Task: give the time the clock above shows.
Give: 12:40
